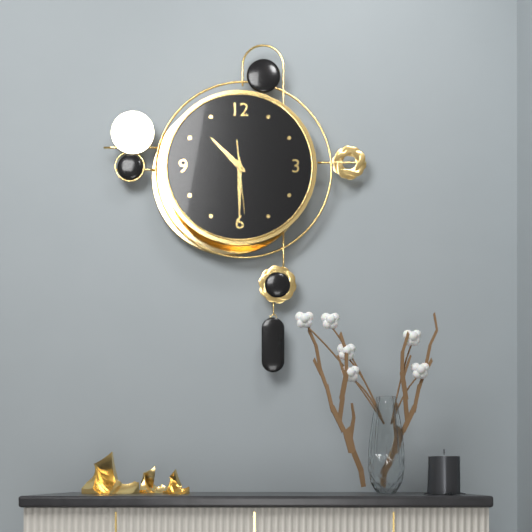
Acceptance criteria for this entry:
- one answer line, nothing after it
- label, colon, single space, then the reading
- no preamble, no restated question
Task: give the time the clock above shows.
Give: 10:30:29
